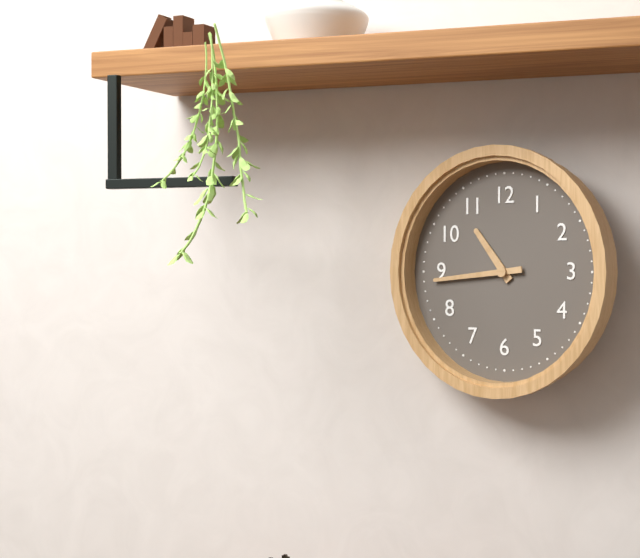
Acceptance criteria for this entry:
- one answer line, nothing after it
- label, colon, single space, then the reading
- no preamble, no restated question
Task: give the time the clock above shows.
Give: 10:44
